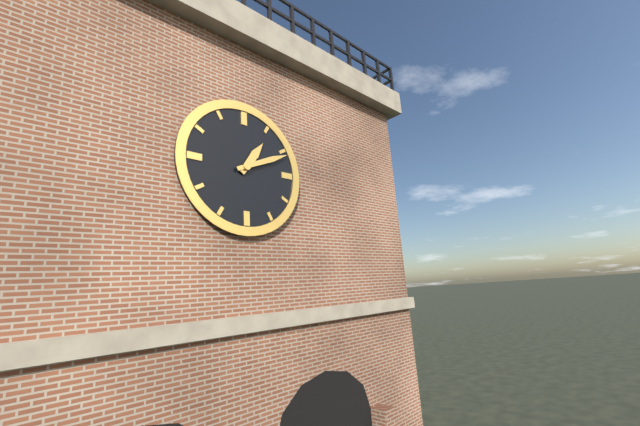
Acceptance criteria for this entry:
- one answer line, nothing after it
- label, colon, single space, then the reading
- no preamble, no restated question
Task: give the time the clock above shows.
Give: 1:11
